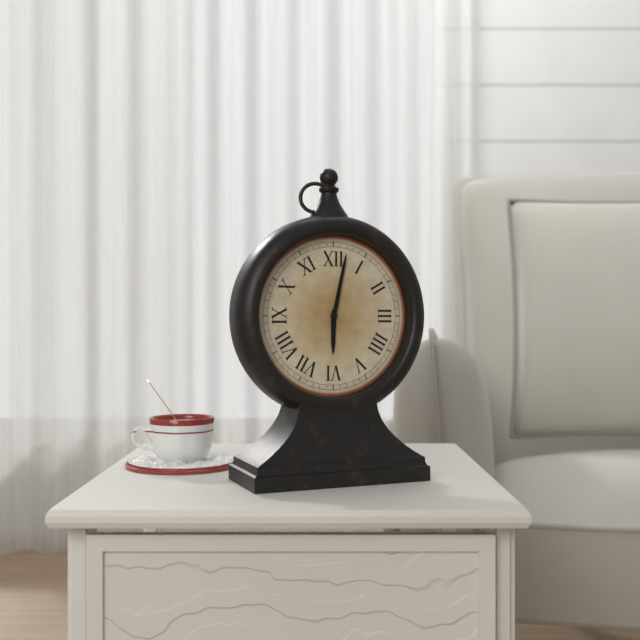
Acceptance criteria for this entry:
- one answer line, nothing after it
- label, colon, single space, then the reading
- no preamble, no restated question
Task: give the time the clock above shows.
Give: 6:02
